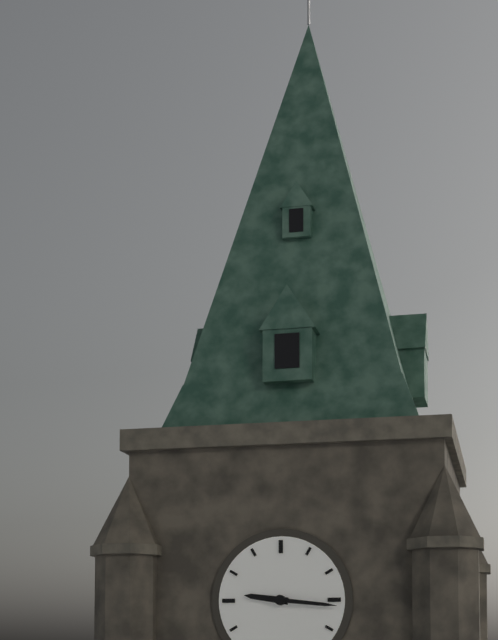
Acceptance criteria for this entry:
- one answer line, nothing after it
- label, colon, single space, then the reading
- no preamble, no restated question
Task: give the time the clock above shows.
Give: 9:16
